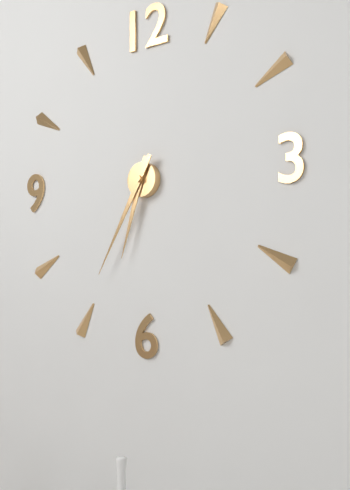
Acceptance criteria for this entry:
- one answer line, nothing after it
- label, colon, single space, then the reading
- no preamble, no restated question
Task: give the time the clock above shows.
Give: 6:35
